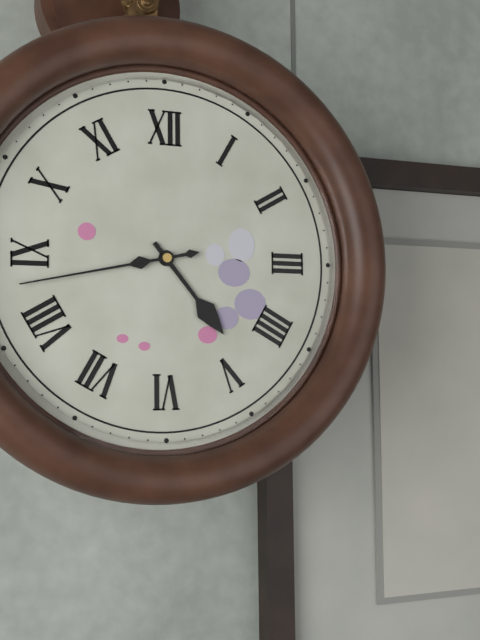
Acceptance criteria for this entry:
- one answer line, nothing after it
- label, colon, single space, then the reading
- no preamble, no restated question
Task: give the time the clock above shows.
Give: 4:43
